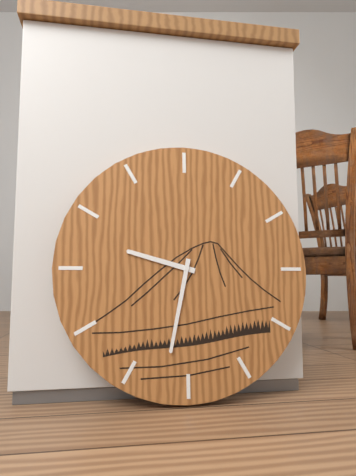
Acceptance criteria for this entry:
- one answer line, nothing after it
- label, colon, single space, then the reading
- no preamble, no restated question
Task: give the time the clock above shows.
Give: 9:32
